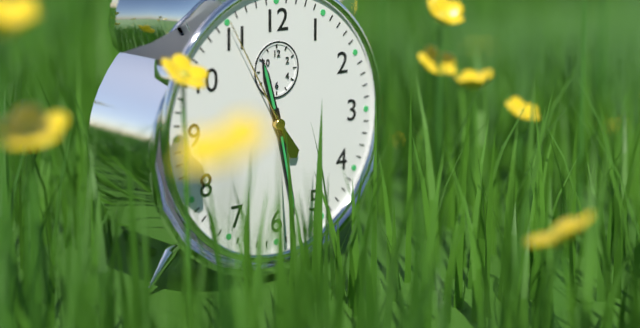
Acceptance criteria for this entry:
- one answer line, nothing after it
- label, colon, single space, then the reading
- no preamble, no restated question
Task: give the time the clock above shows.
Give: 11:28:55
